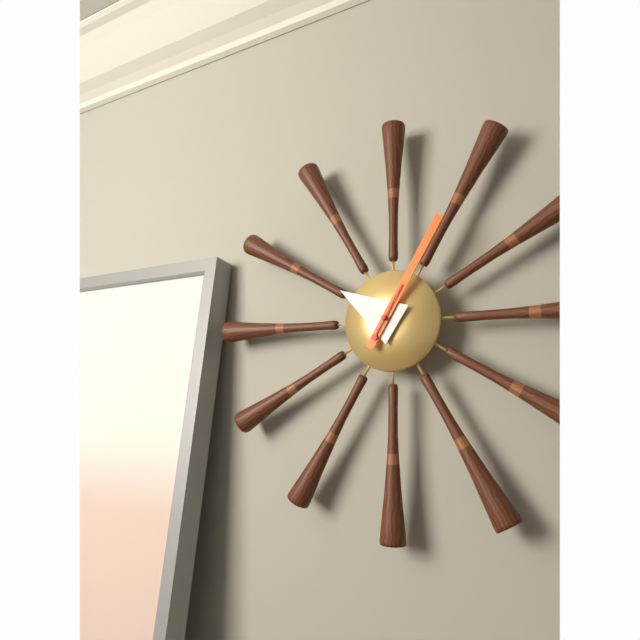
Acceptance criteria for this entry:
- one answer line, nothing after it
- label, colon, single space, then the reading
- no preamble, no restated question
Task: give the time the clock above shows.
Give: 10:05:05
